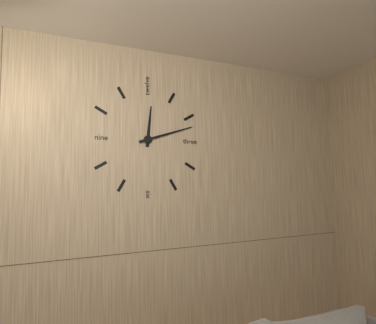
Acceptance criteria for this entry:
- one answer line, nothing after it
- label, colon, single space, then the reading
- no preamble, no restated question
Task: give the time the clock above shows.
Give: 12:12
